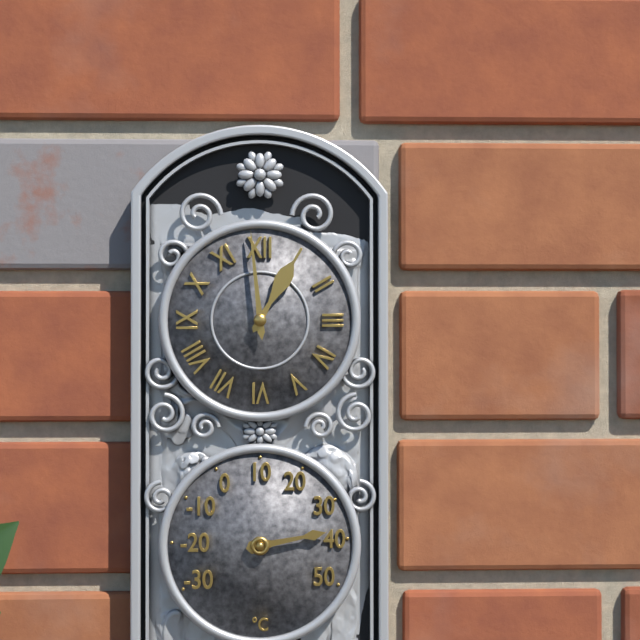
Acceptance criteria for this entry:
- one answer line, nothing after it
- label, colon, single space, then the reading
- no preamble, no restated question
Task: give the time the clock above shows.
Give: 12:59
